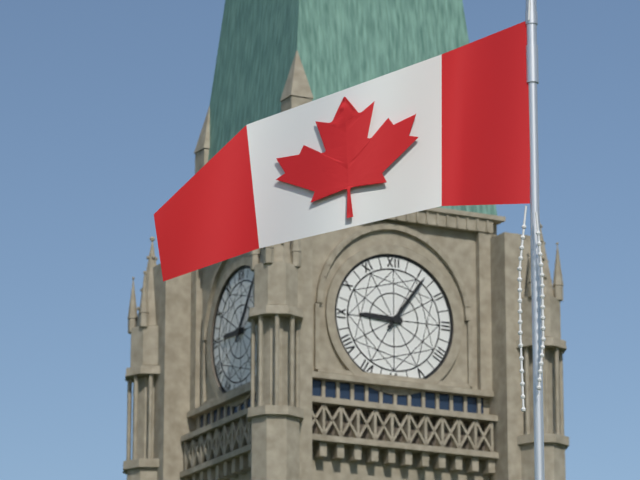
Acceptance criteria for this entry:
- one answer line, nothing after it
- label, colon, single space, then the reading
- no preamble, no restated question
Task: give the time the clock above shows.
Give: 9:06
